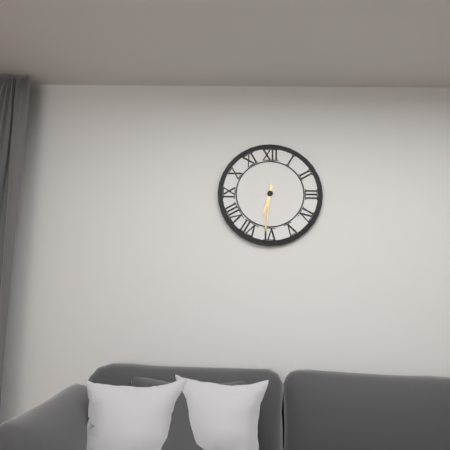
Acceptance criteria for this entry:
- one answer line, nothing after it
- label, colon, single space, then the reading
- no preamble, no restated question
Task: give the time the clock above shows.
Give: 6:31
